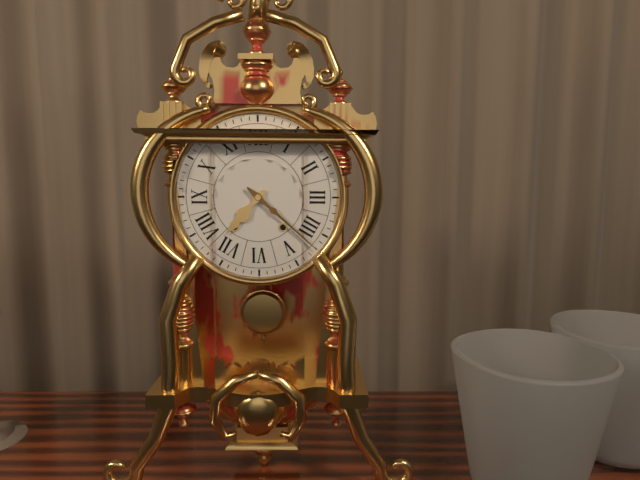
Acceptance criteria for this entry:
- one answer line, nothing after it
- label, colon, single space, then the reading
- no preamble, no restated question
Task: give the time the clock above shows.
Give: 7:22
